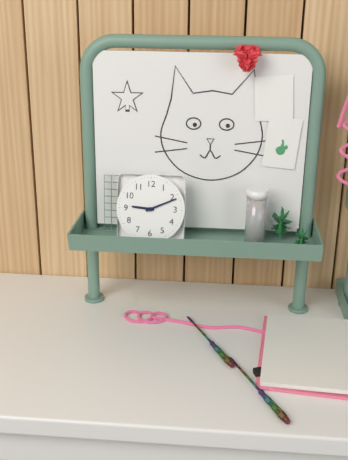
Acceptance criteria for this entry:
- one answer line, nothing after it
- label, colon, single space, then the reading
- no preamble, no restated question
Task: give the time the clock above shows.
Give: 9:11
